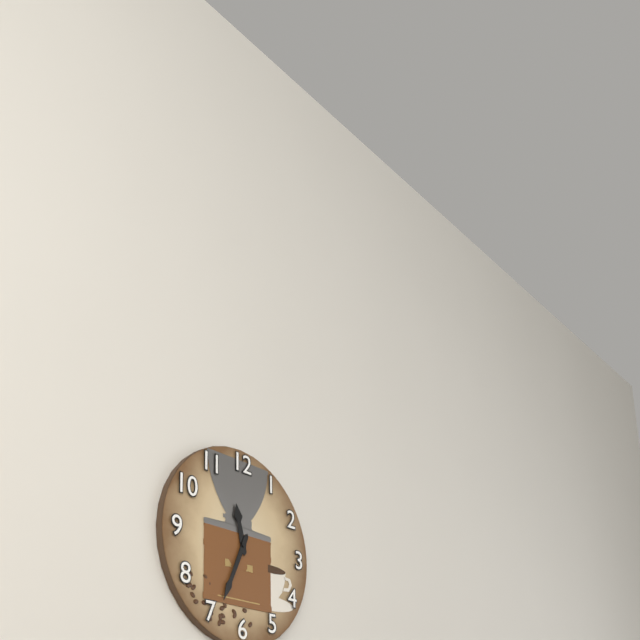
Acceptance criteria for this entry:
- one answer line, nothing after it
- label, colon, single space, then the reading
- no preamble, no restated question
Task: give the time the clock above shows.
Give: 11:34
